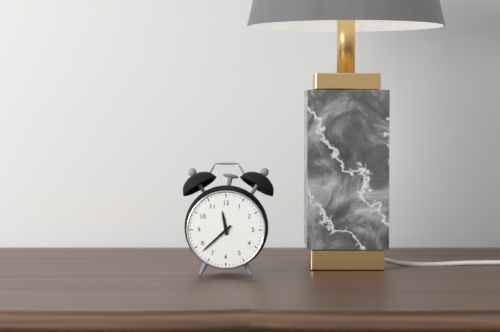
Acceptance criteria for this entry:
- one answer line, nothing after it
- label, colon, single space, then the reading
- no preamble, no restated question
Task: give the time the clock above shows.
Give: 11:38
